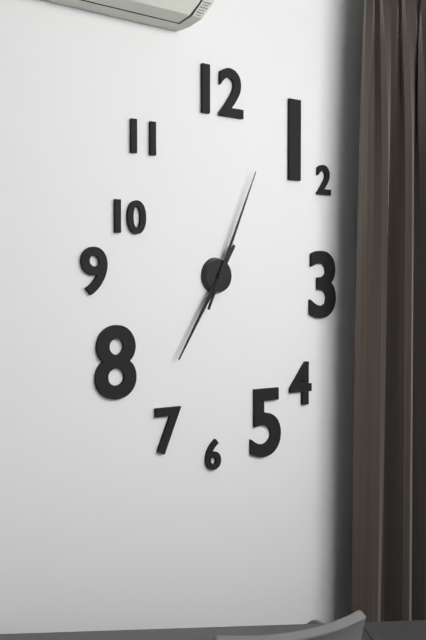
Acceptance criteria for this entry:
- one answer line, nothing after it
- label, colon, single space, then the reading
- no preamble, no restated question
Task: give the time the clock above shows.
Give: 7:04
